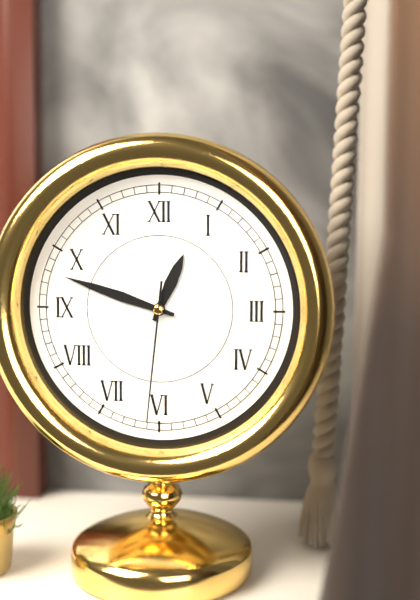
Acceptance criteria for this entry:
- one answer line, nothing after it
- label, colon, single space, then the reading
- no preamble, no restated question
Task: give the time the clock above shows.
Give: 12:48:31
